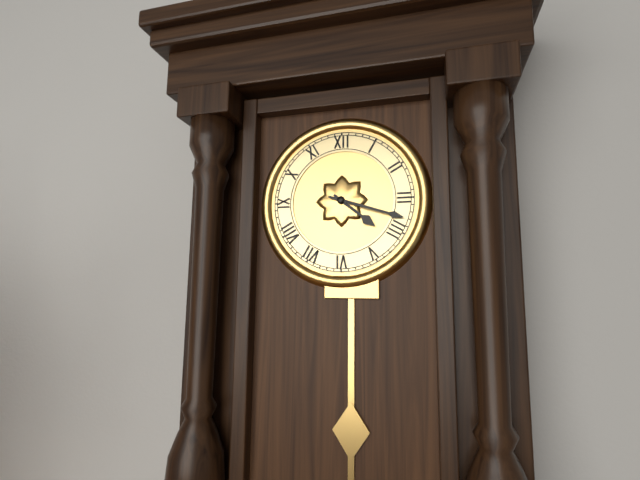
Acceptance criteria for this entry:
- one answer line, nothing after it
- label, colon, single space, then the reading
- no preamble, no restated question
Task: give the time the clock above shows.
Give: 4:18
